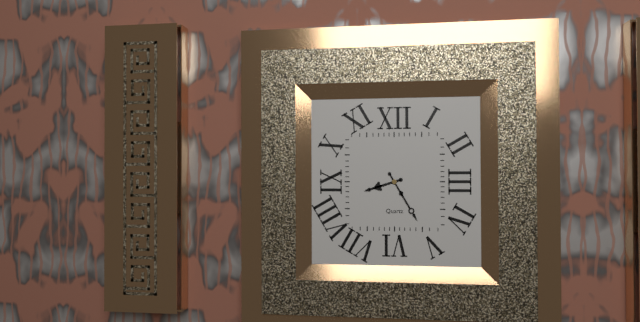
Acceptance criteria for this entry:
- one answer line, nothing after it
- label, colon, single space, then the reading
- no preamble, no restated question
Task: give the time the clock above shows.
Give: 8:25
